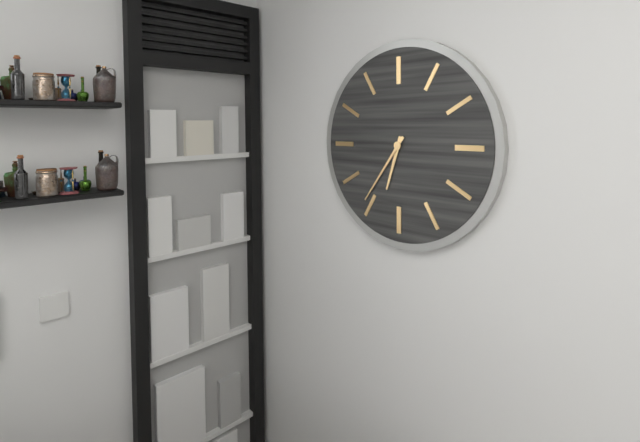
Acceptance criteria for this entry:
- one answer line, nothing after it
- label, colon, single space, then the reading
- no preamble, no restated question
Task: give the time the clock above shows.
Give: 6:36
